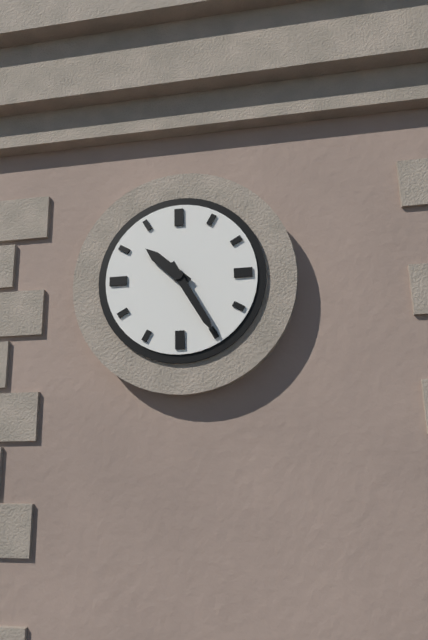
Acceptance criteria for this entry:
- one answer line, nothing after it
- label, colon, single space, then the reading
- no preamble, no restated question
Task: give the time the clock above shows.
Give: 10:25
